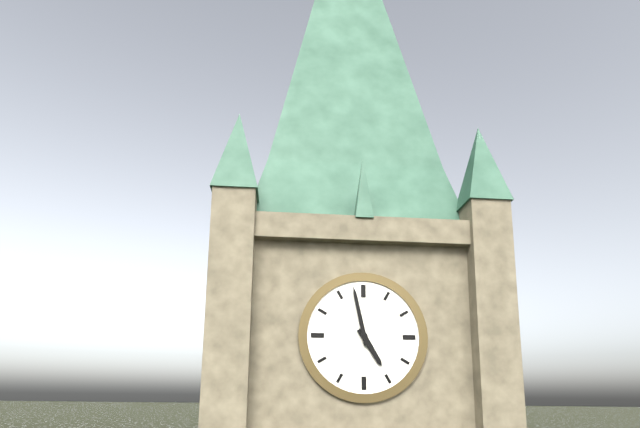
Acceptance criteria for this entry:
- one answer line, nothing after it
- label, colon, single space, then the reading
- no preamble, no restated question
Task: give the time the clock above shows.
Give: 4:58
